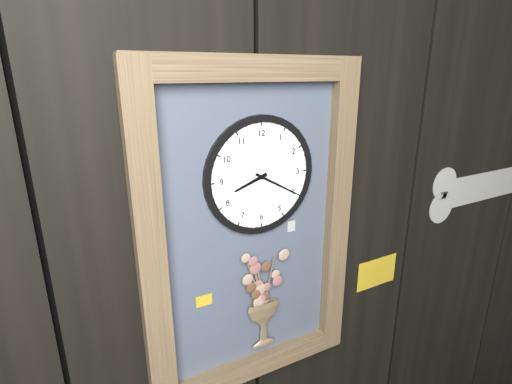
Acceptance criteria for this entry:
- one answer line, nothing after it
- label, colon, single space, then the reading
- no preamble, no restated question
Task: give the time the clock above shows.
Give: 8:20
